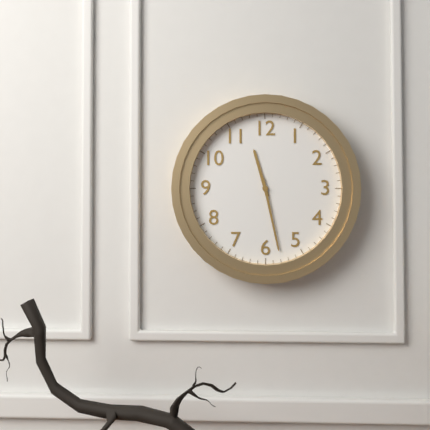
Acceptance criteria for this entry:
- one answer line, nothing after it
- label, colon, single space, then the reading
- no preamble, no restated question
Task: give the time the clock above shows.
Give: 11:28
